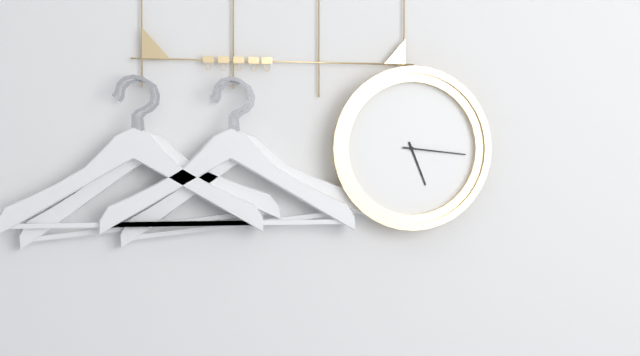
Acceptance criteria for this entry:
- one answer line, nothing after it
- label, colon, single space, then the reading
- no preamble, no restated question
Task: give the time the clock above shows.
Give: 5:16
